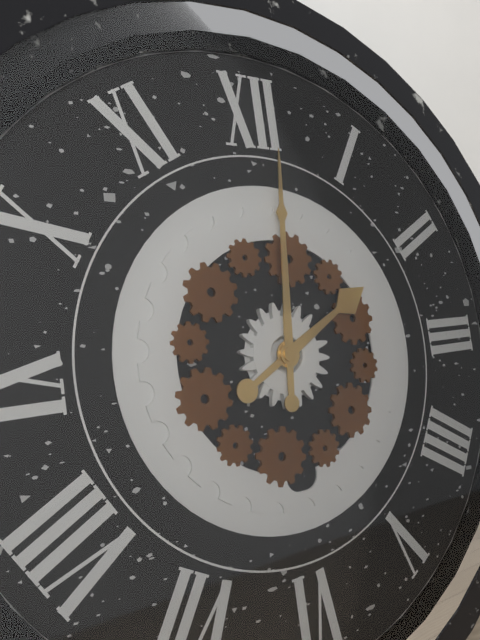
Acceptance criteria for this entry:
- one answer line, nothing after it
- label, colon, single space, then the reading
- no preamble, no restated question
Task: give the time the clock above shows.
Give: 2:01
